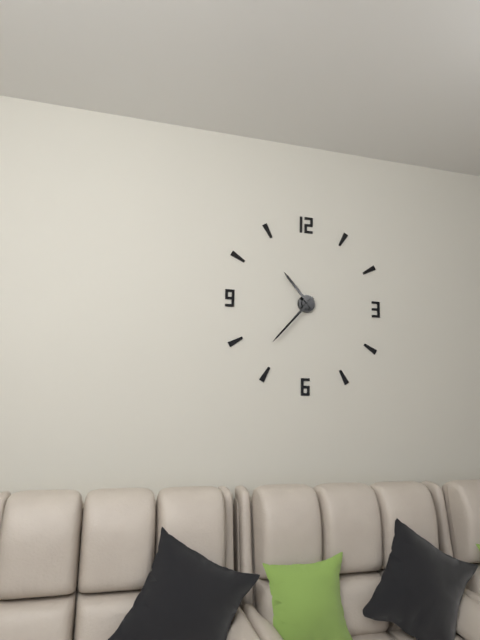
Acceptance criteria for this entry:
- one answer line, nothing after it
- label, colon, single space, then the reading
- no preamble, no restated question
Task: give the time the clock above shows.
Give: 10:37
